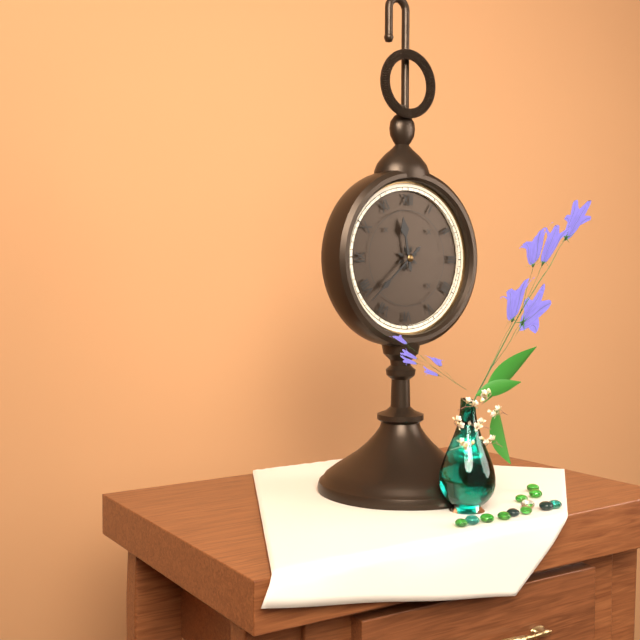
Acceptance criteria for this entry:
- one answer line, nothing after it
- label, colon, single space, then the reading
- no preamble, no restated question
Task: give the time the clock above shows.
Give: 11:38
